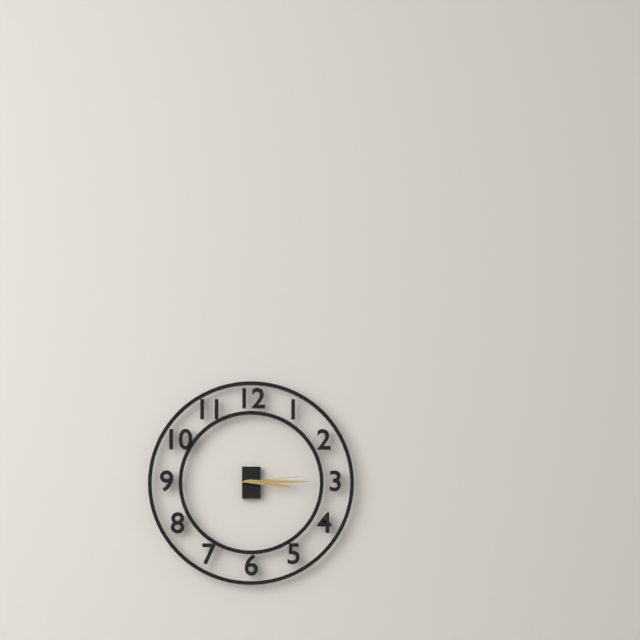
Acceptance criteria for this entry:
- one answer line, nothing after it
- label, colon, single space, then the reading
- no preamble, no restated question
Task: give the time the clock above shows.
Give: 3:15:14
